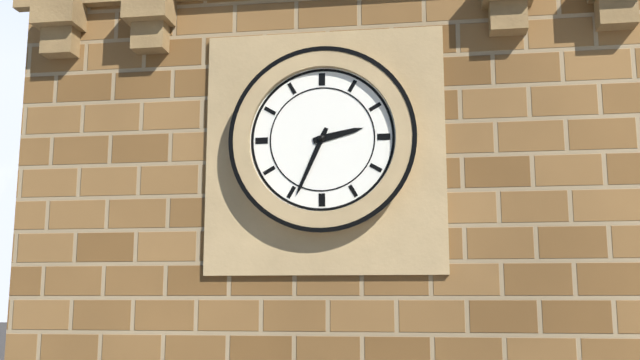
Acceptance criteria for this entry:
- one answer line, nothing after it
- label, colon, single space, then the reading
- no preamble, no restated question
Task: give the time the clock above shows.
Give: 2:34
